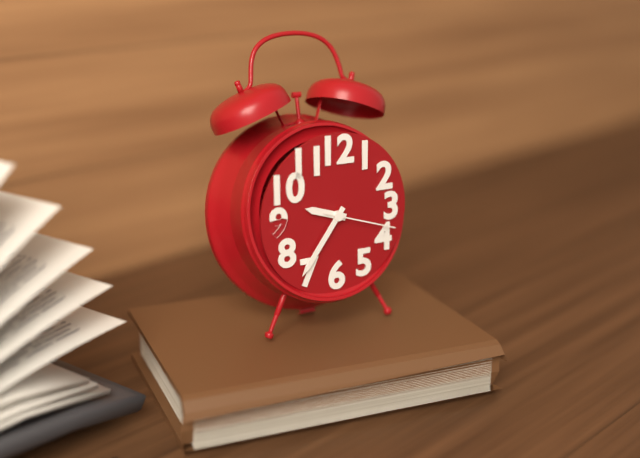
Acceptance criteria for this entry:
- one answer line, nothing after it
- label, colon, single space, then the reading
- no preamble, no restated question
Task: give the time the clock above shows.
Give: 9:36:18
